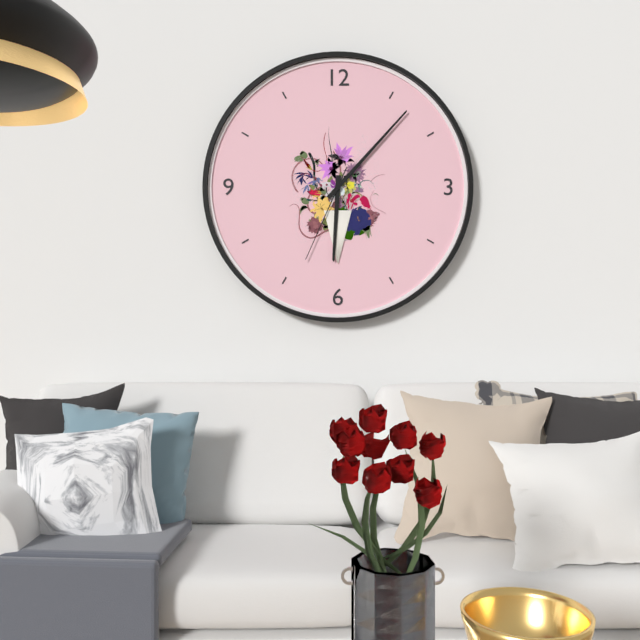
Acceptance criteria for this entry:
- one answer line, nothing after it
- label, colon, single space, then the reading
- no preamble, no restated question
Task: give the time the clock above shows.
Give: 6:07:34
